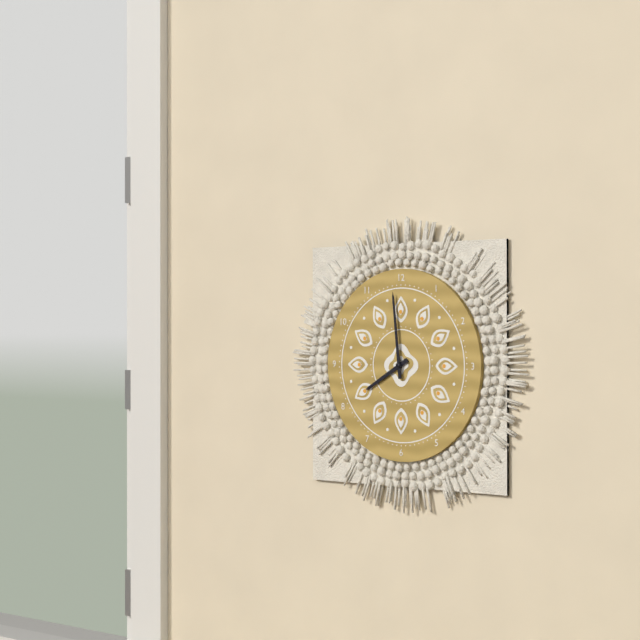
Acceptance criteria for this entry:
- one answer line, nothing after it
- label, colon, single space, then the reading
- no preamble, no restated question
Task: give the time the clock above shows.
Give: 7:59
